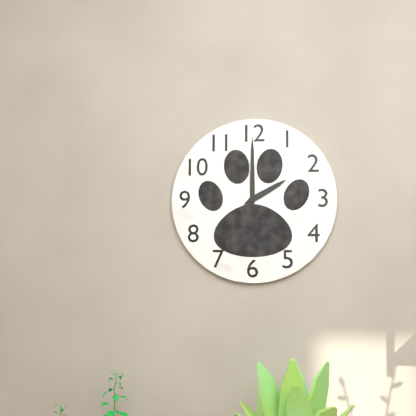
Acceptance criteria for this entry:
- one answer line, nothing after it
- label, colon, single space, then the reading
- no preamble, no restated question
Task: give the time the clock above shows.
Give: 2:00
